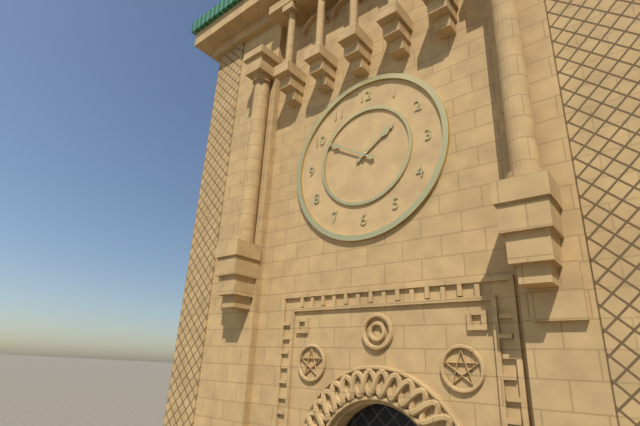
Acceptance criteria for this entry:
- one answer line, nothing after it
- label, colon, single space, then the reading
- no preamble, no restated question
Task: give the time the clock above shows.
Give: 1:50
